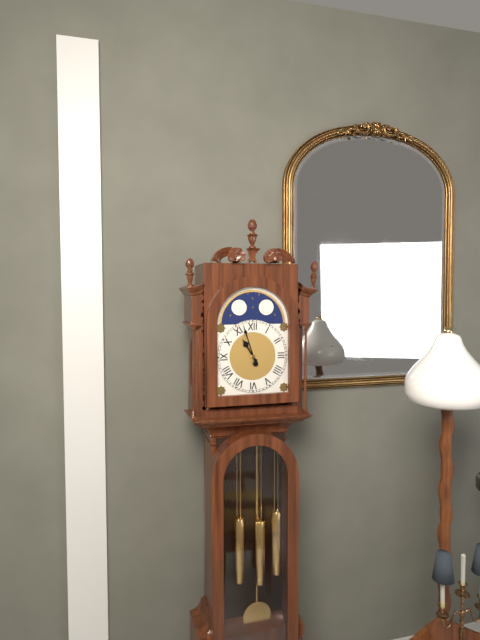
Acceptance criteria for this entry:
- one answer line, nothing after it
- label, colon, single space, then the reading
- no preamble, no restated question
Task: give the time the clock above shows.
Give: 10:57
